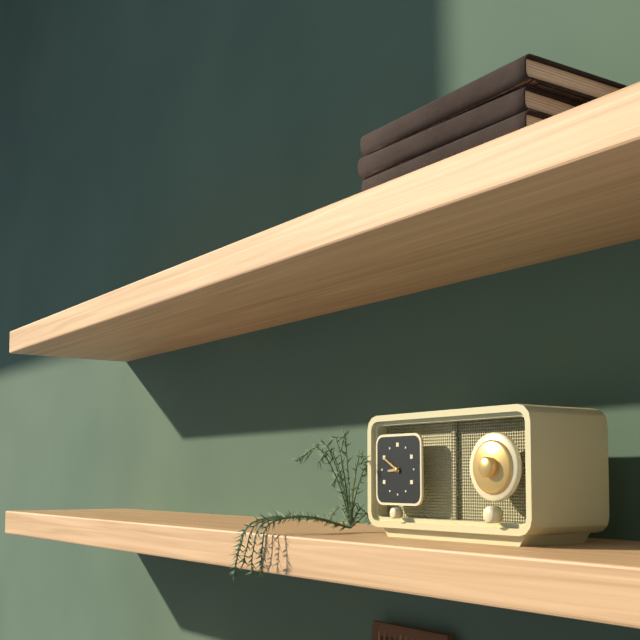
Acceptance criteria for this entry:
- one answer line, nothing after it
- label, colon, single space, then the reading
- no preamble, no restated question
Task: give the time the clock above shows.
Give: 8:50
